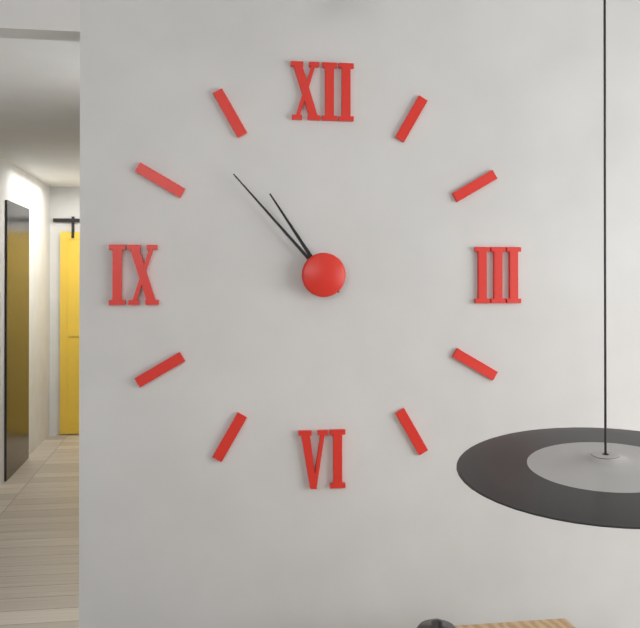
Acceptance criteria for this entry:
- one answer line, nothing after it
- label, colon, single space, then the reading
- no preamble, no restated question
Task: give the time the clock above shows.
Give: 10:53
